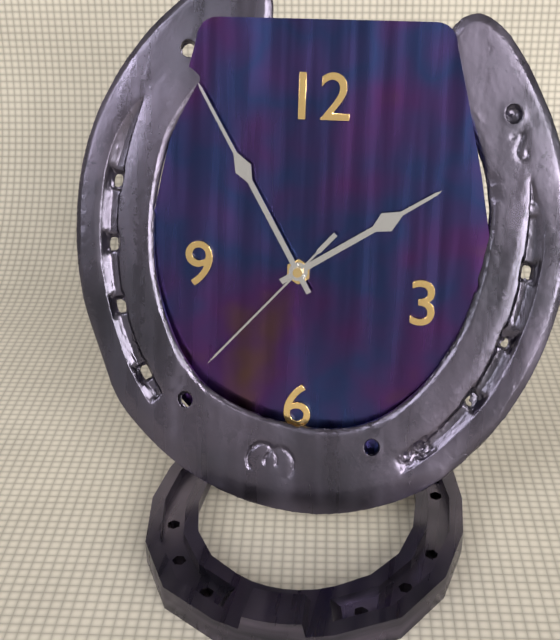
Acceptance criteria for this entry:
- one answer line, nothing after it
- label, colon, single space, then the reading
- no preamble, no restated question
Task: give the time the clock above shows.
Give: 1:55:37
